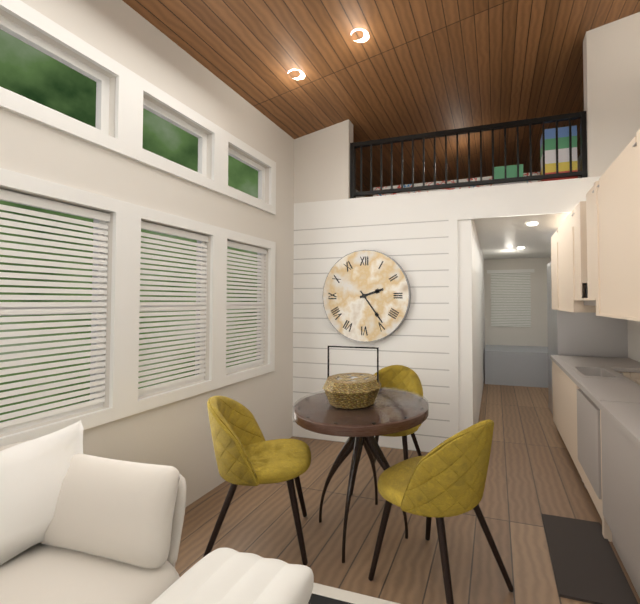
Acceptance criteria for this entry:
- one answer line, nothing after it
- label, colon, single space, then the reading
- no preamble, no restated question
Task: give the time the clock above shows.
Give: 2:24
